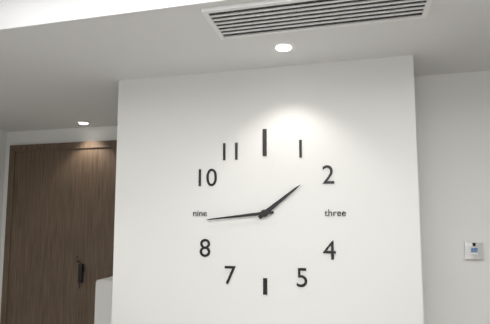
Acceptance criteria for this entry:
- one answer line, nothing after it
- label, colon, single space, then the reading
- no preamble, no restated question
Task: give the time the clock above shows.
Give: 1:44
